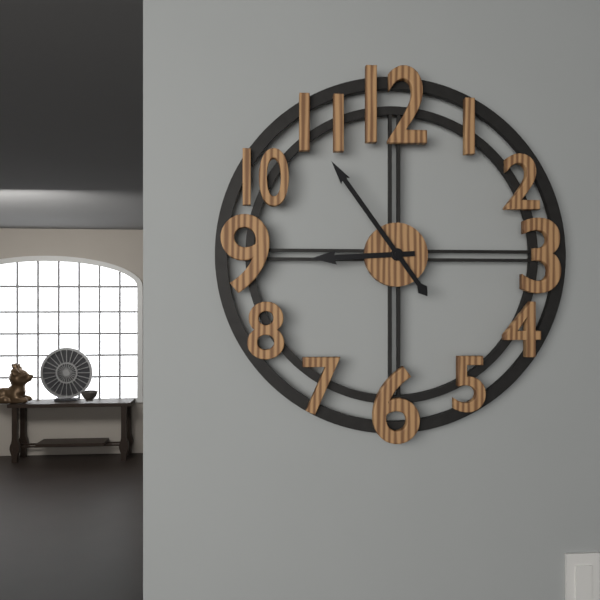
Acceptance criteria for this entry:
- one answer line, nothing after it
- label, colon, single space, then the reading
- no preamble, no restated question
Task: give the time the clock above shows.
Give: 8:54
